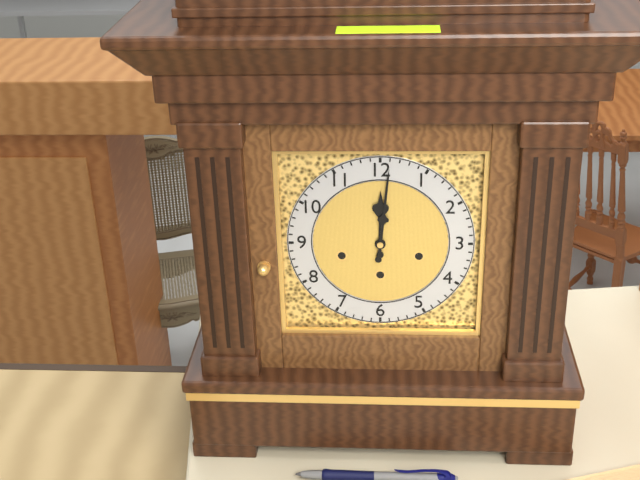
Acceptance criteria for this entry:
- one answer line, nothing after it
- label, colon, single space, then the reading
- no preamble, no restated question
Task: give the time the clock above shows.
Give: 12:01
